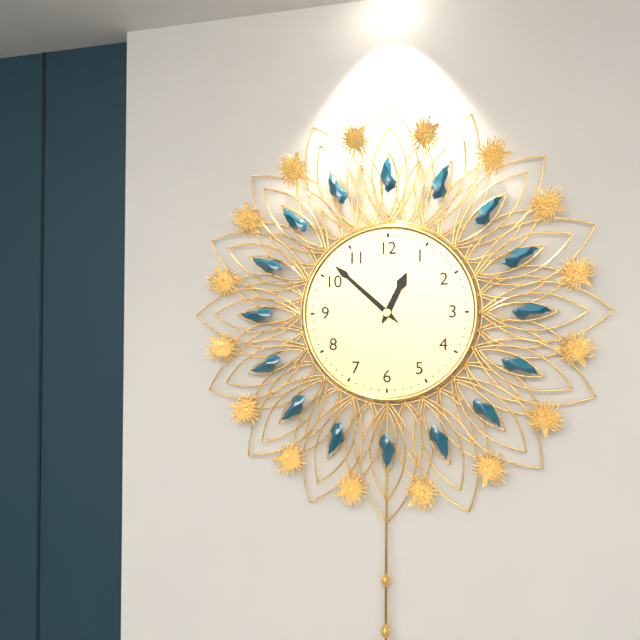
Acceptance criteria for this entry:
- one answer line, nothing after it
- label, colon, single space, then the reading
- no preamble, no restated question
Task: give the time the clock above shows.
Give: 12:52
